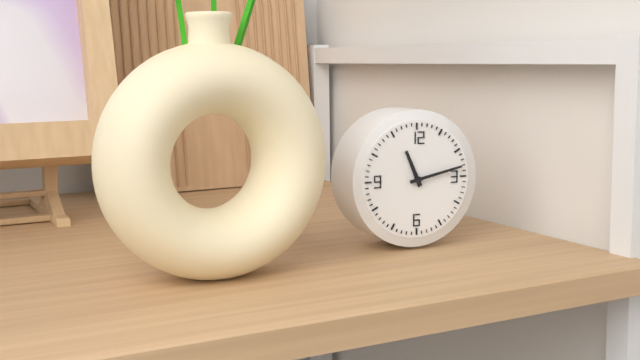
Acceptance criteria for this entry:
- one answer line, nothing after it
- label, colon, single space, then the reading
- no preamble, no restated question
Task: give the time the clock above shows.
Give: 11:13
